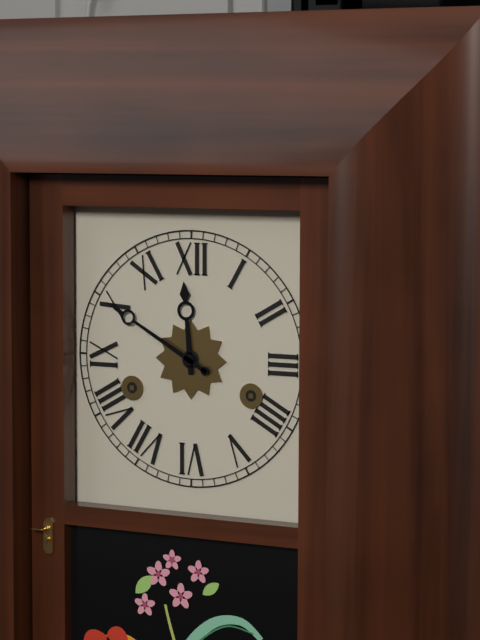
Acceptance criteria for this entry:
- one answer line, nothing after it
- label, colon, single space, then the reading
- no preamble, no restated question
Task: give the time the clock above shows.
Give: 11:50
